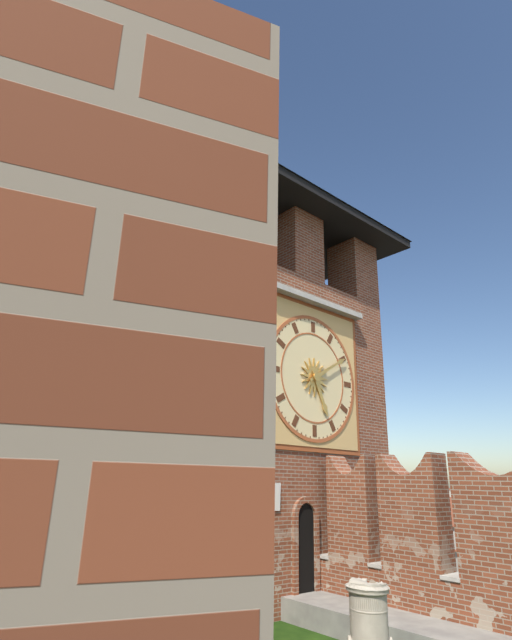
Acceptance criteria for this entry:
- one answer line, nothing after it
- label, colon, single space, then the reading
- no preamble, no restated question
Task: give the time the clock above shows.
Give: 5:10
